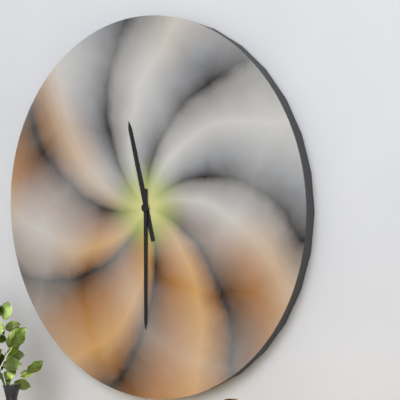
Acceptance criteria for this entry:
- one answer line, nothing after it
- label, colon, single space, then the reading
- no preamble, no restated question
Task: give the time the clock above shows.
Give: 11:30
